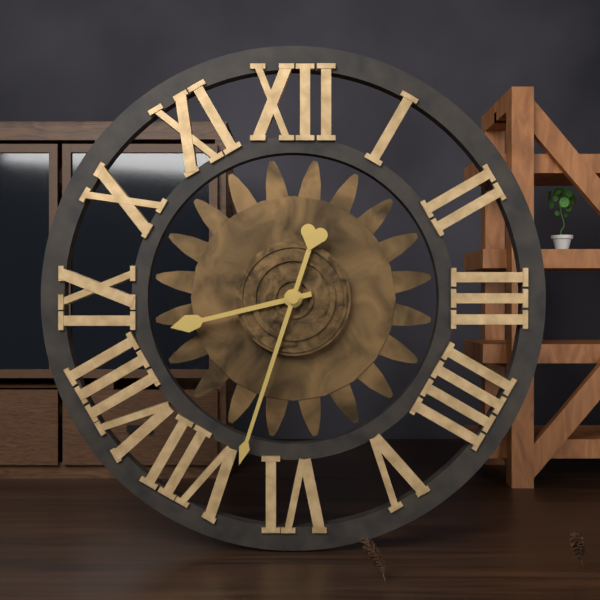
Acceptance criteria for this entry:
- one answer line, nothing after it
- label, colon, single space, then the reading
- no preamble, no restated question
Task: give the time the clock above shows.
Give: 8:33
